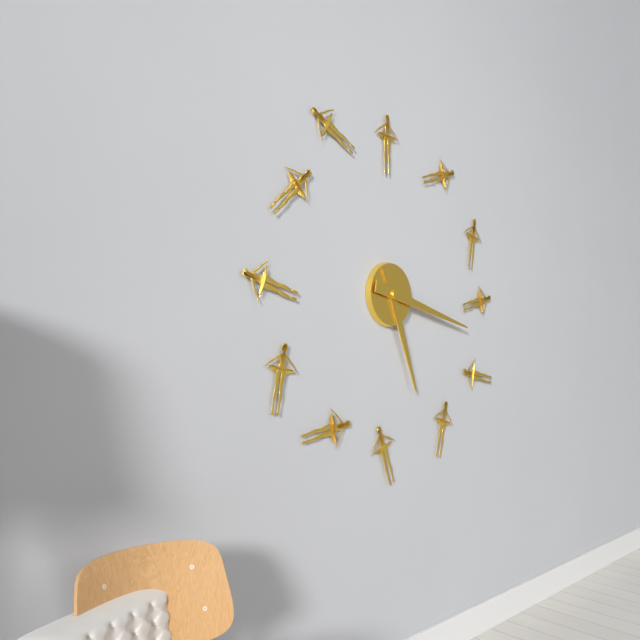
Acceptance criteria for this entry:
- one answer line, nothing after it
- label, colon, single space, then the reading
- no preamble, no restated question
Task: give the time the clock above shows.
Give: 5:17
